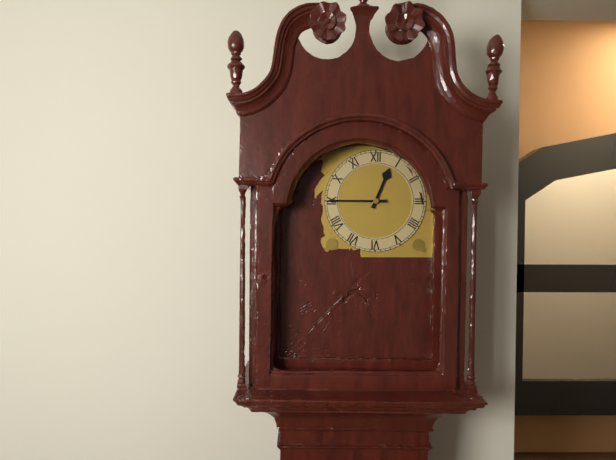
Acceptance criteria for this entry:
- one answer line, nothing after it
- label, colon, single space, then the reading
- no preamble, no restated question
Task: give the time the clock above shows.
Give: 12:45
